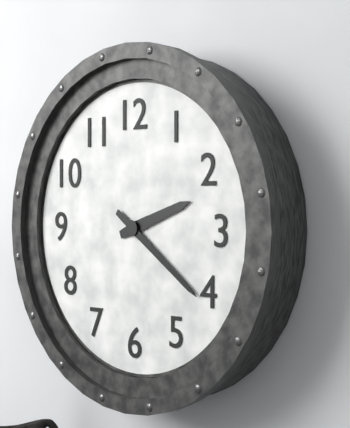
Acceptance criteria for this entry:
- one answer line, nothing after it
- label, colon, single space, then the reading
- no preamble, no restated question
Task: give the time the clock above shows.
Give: 2:21
